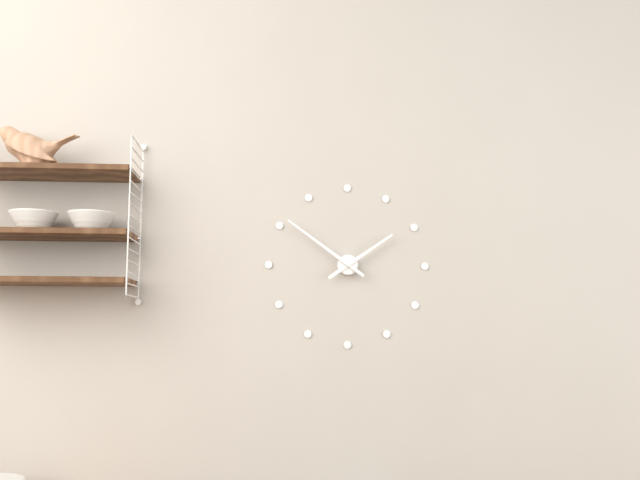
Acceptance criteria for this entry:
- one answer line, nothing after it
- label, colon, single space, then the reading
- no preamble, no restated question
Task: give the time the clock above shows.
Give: 1:51
